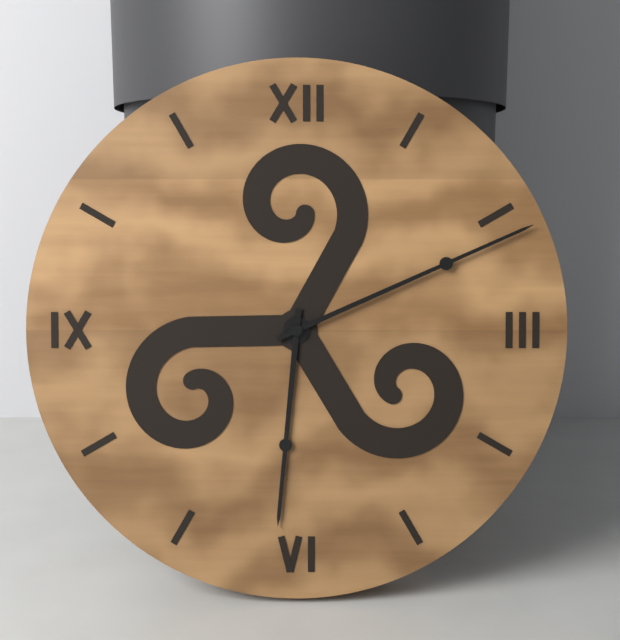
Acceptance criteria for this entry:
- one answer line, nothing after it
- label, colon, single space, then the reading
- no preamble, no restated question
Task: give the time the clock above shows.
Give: 6:11
